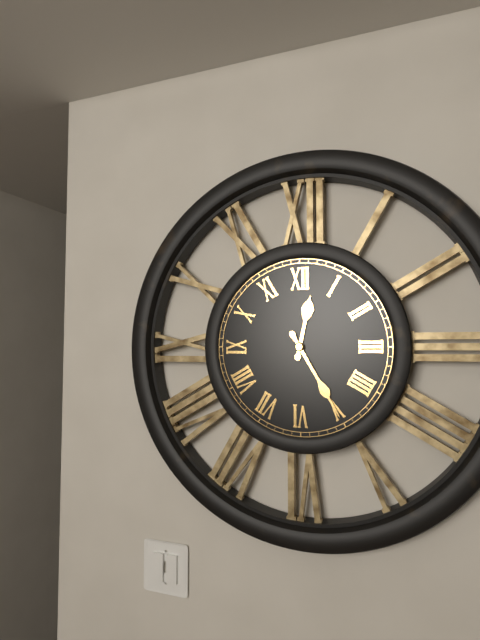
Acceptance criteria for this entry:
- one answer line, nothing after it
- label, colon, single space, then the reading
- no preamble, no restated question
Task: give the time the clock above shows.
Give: 12:25
